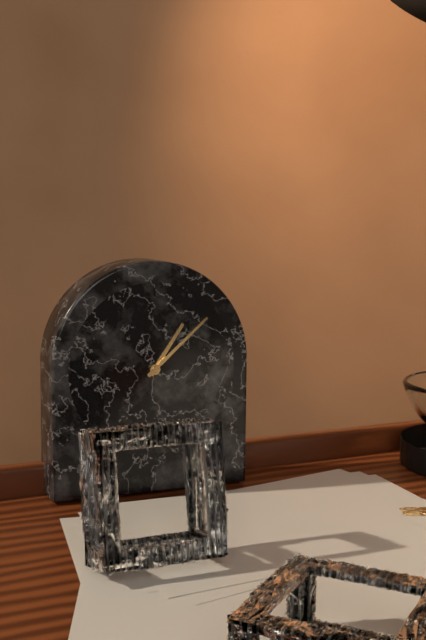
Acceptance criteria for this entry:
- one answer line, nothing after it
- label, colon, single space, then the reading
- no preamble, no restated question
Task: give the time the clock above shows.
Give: 1:08
